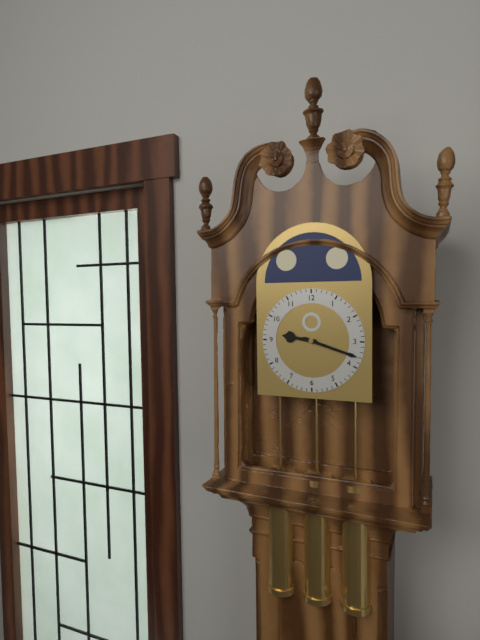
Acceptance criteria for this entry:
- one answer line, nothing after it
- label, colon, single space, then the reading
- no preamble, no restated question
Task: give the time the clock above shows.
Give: 9:18
